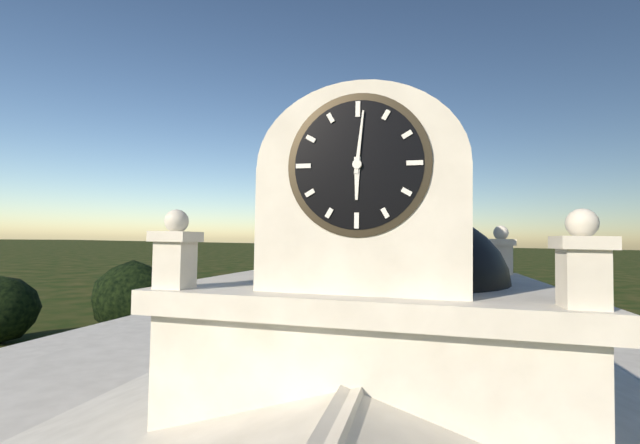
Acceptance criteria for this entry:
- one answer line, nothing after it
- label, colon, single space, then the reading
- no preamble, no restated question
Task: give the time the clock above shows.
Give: 6:01
